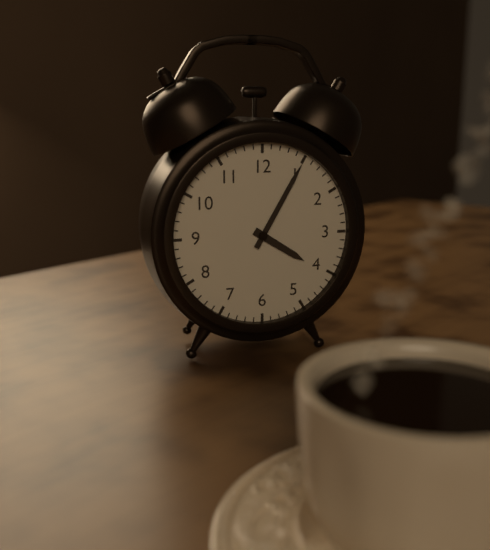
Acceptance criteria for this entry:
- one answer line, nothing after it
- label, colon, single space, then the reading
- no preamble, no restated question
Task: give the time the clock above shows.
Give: 4:05
